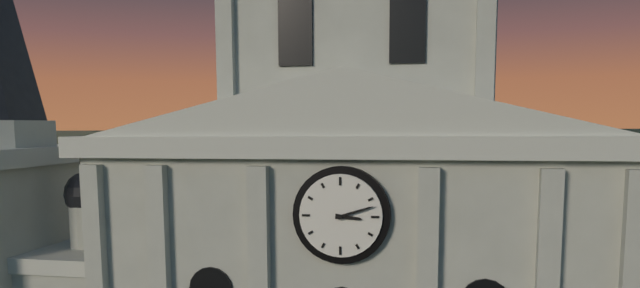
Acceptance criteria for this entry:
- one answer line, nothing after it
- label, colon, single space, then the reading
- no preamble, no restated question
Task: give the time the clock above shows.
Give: 3:12
